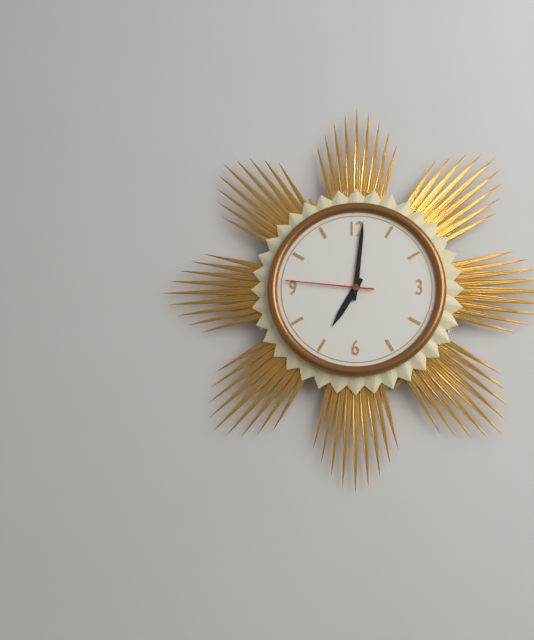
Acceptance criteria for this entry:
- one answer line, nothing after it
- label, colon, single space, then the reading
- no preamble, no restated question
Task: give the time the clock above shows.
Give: 7:01:46
